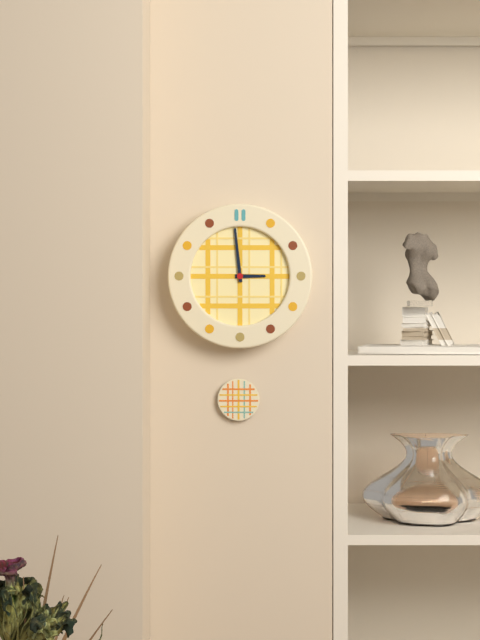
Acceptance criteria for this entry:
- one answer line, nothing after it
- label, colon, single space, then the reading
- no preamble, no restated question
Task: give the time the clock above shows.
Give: 2:59
